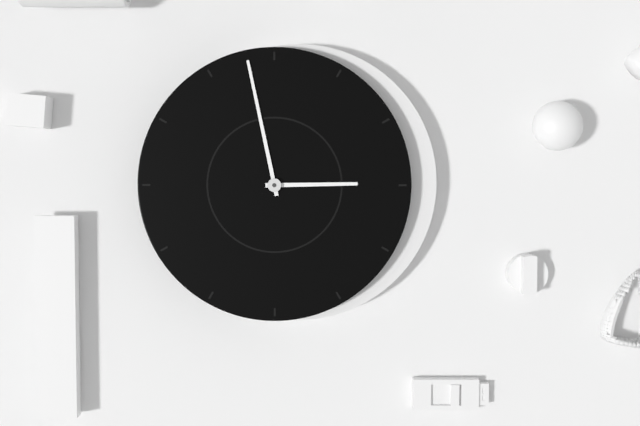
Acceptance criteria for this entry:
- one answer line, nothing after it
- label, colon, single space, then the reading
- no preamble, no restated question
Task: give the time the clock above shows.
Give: 2:58
